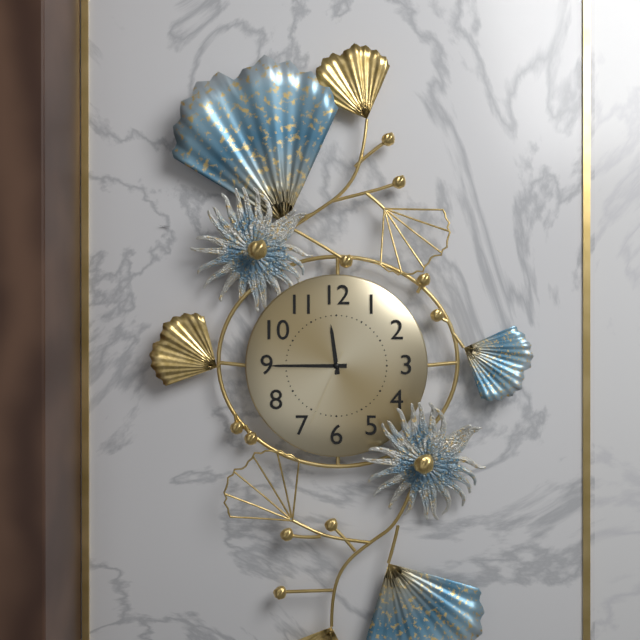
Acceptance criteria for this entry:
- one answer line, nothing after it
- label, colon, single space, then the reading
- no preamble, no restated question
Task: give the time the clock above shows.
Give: 11:45:34
